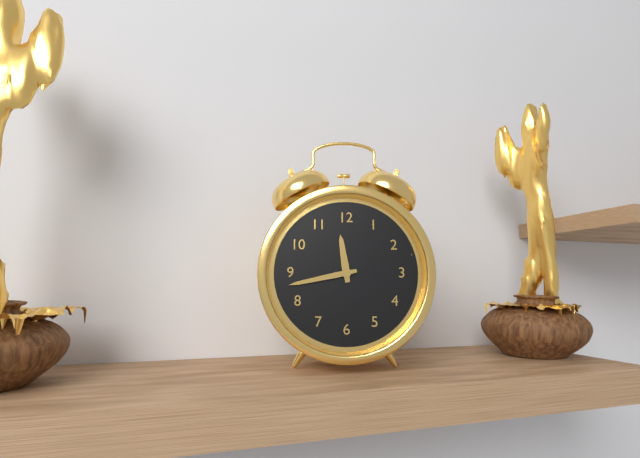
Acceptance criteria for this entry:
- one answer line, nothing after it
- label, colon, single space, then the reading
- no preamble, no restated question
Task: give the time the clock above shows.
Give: 11:43
